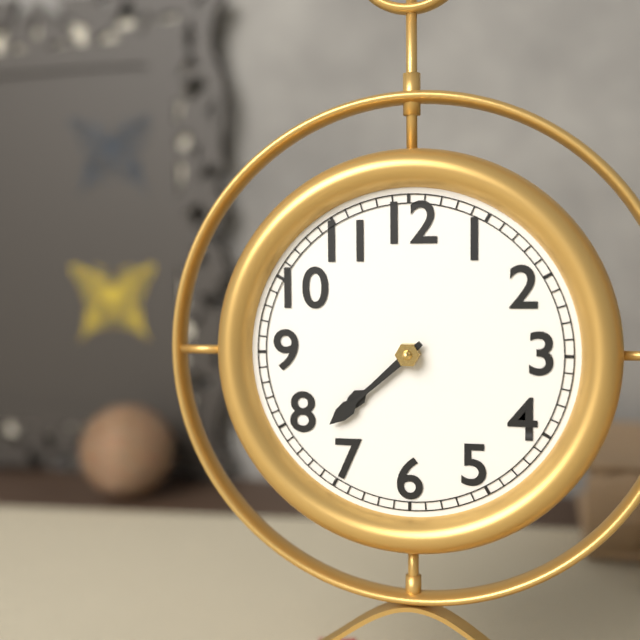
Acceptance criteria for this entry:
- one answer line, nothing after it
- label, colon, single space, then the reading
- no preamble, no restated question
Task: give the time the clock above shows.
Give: 7:38
